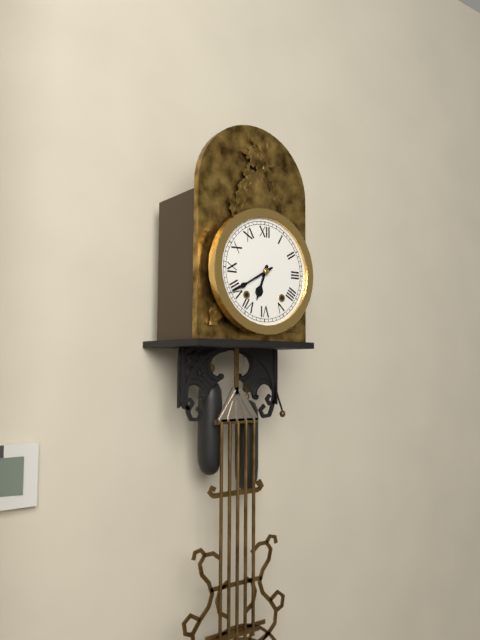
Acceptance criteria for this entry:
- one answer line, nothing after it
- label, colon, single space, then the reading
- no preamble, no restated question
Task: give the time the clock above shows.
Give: 6:40
